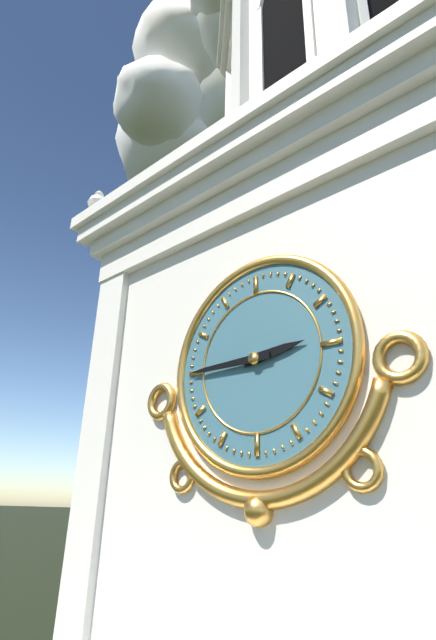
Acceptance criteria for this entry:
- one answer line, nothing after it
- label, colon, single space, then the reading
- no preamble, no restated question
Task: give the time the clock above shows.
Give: 2:45
